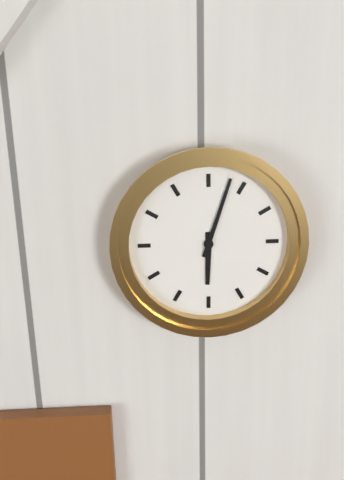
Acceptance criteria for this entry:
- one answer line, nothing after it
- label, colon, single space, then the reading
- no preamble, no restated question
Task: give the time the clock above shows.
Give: 6:03
